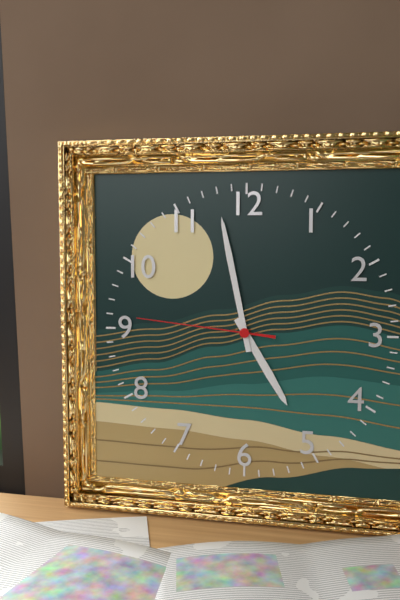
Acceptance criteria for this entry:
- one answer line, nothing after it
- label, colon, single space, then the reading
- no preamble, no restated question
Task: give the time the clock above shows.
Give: 4:58:46
